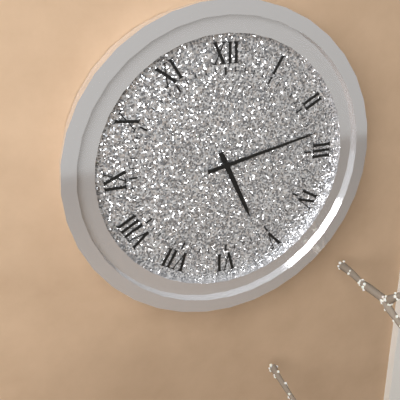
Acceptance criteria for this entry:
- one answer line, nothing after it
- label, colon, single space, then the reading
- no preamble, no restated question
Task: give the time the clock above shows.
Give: 5:13
